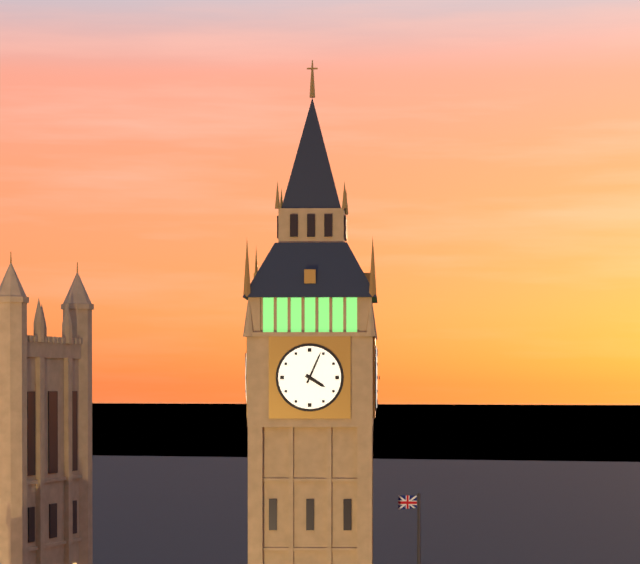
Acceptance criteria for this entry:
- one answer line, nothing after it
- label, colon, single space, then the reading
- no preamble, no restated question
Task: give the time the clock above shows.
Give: 4:04
